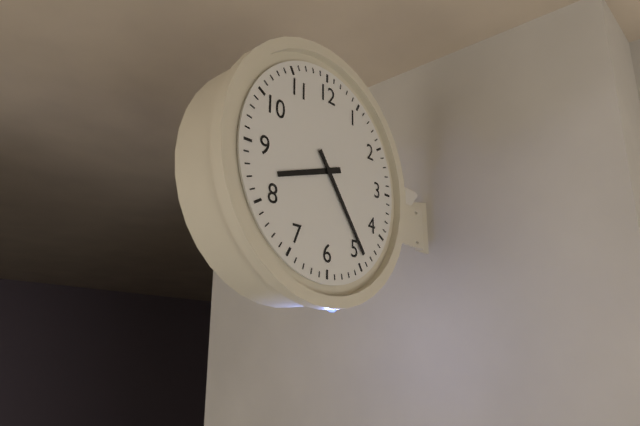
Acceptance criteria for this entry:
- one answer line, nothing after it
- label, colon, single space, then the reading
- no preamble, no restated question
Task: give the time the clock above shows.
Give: 8:24
